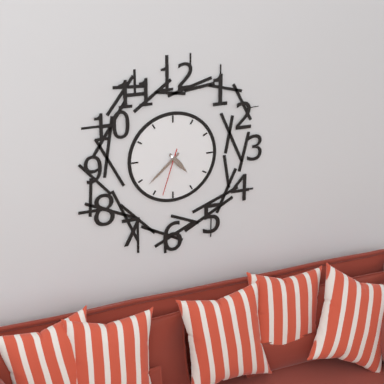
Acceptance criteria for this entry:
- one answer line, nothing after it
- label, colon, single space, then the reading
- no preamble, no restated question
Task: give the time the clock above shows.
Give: 4:38
